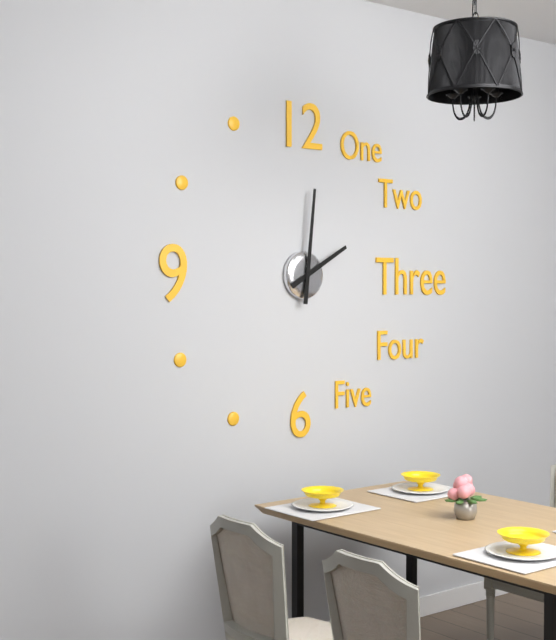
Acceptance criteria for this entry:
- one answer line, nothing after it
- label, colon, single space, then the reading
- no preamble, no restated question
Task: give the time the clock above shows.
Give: 2:01
